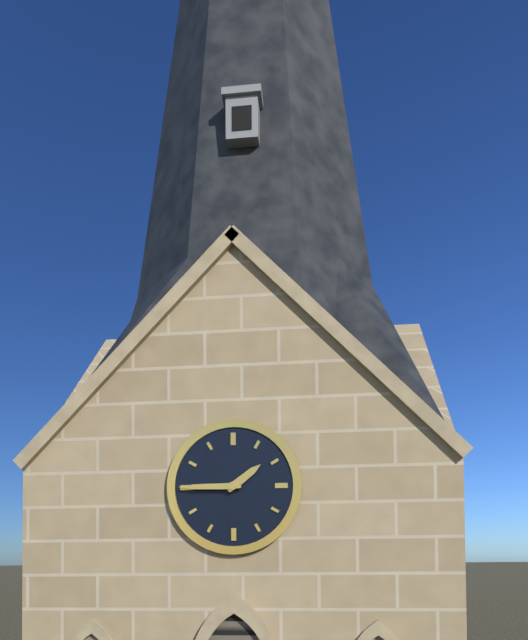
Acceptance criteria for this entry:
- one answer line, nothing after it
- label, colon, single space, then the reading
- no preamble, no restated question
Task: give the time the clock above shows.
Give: 1:45
